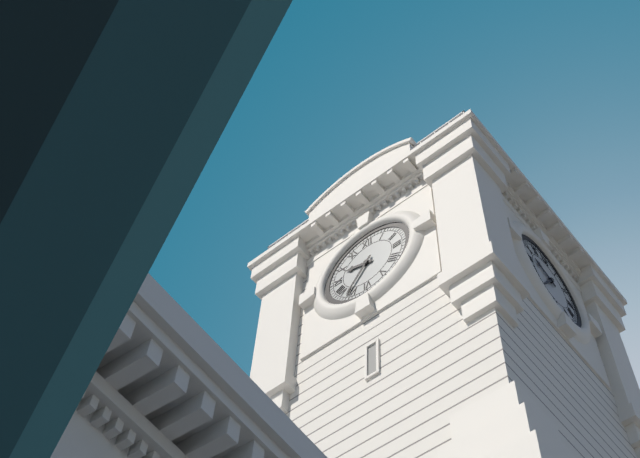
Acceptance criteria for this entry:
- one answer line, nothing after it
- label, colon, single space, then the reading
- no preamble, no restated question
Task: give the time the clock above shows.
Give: 9:36
